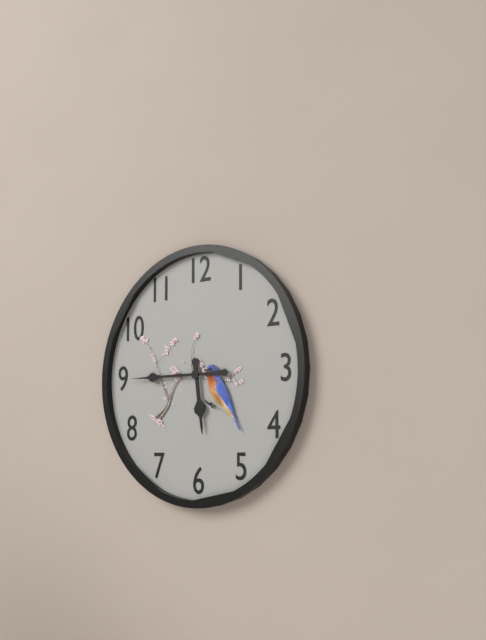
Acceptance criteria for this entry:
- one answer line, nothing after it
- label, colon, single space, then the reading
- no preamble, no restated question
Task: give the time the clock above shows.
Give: 5:45
